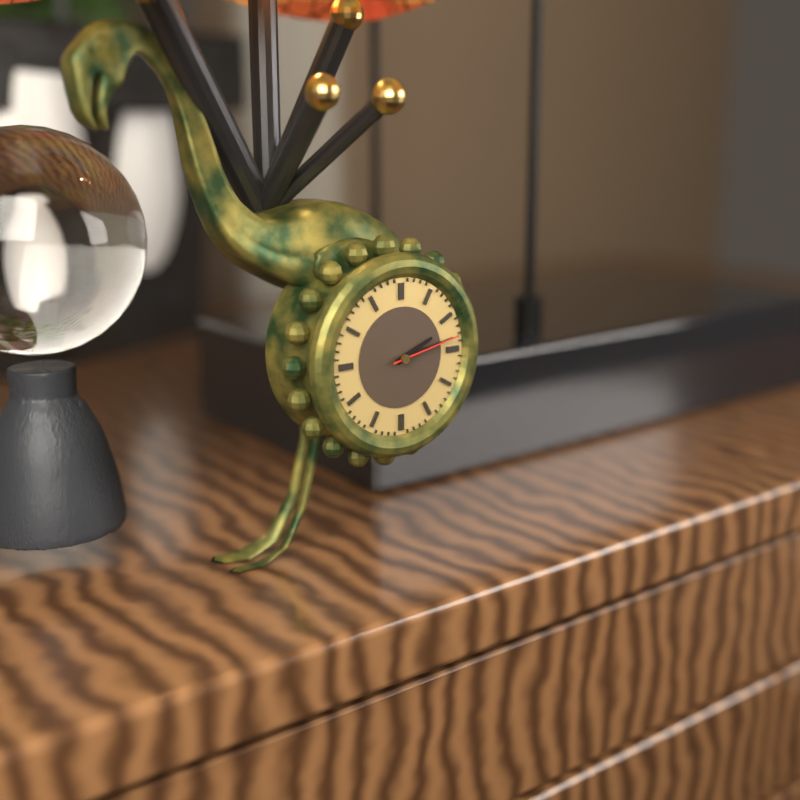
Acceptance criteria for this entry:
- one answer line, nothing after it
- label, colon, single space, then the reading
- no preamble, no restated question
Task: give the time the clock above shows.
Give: 2:13:13
